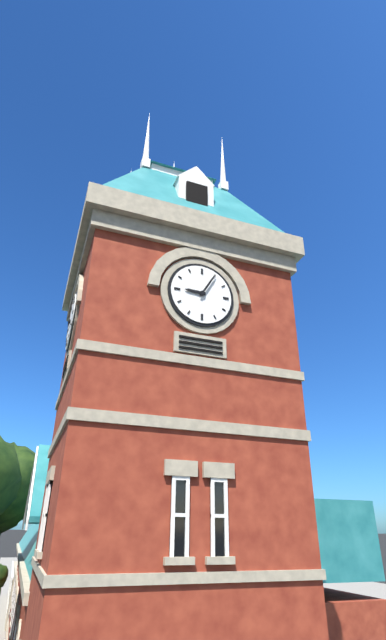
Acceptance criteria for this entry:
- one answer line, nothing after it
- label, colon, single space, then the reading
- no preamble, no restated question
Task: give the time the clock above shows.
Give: 9:05
